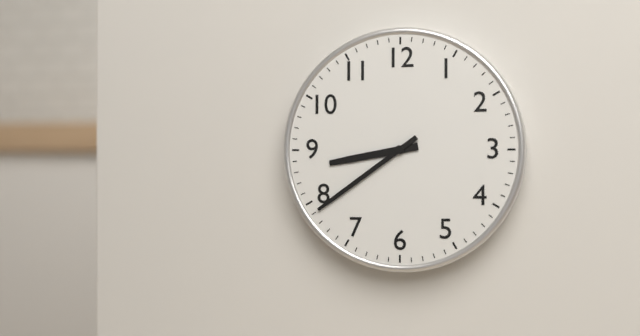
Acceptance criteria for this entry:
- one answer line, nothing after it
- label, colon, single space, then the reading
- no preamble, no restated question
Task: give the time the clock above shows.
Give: 8:39
